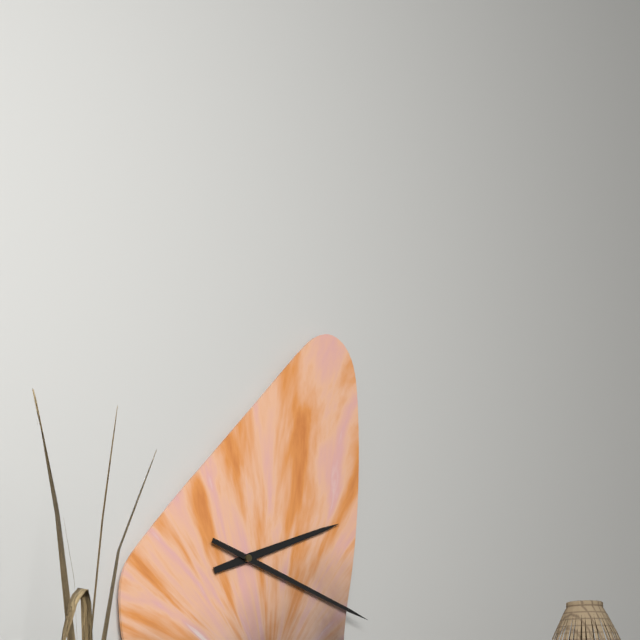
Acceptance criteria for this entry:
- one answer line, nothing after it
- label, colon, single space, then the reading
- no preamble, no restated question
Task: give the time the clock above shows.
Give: 2:18
